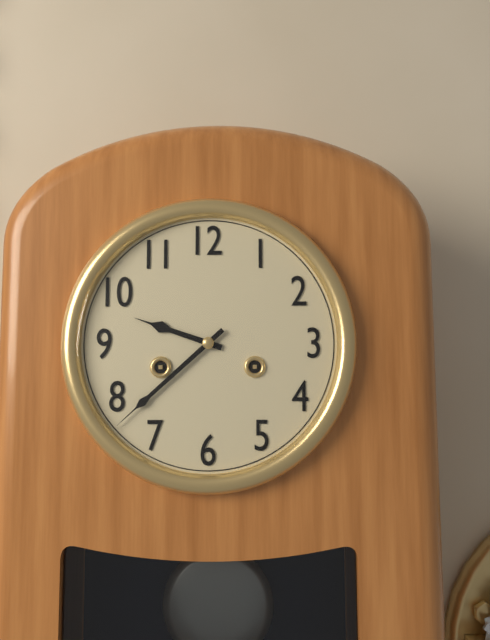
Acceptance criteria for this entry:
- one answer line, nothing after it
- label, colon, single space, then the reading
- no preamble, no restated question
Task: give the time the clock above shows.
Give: 9:38
